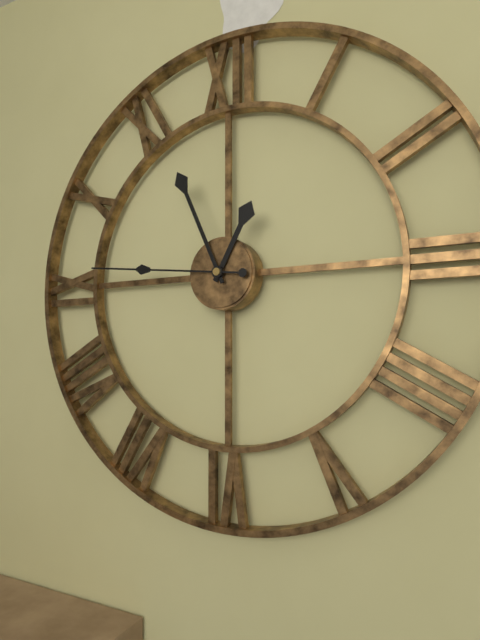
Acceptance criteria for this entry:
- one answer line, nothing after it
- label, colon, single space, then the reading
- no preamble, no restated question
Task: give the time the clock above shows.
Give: 12:56:46
